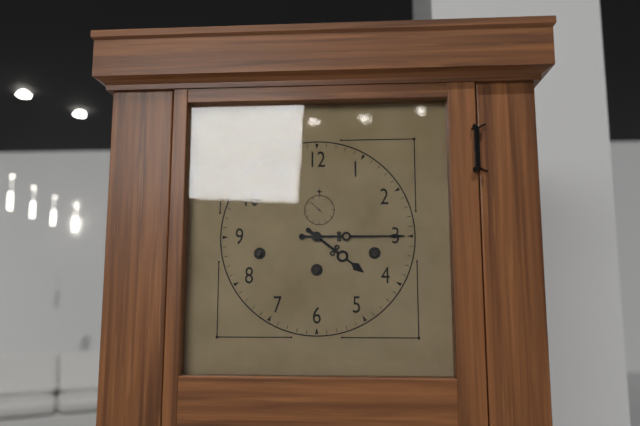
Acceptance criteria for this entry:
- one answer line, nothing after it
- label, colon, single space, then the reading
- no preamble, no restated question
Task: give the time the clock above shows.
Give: 4:15
